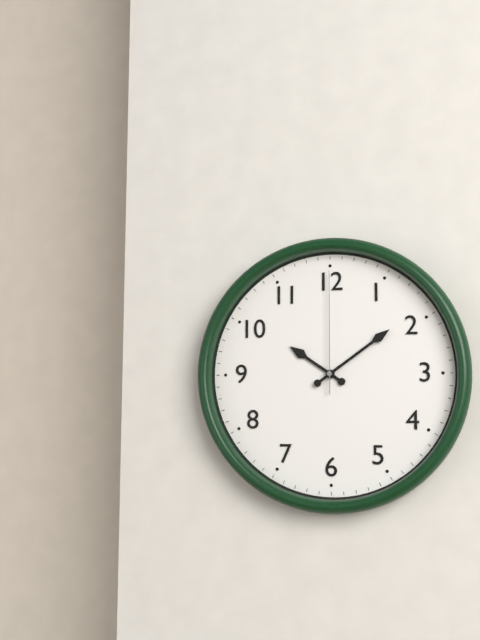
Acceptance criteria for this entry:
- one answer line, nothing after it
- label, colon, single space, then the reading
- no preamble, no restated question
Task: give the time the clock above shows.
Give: 10:09:00
